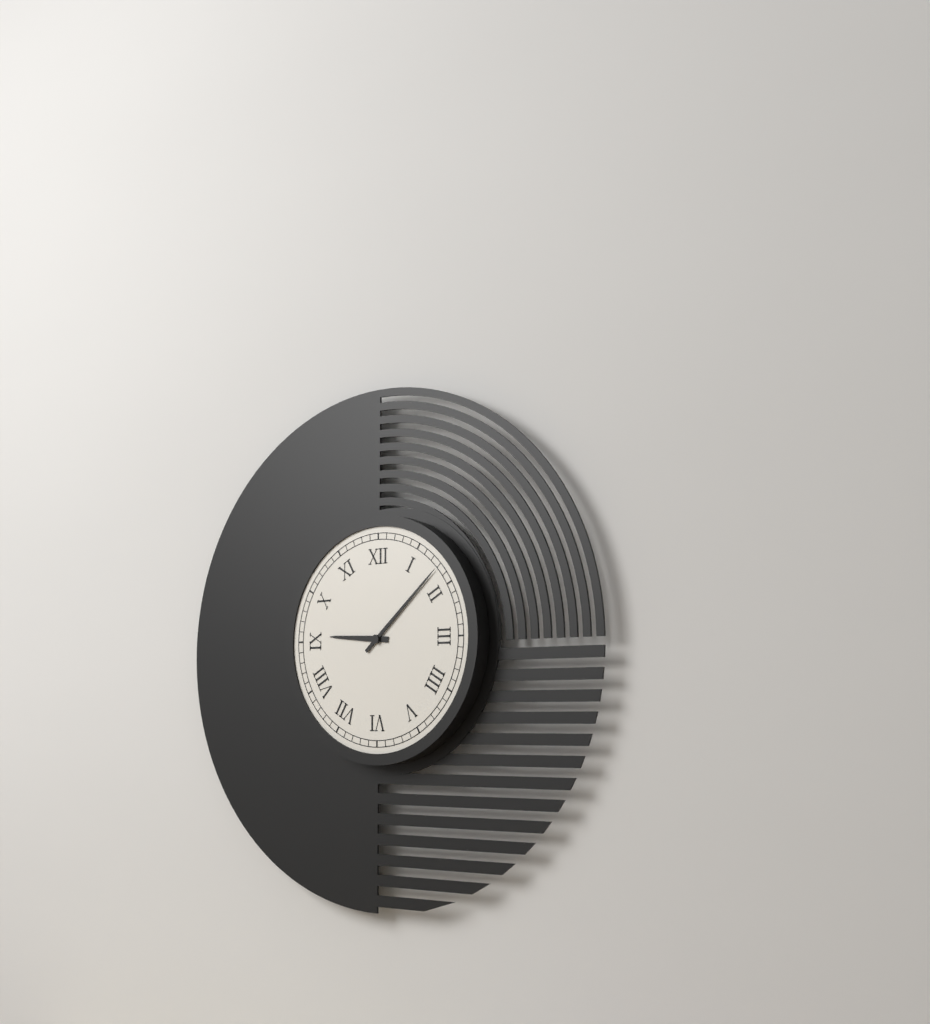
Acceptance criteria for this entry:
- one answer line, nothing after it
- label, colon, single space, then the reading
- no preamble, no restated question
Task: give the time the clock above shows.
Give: 9:08
